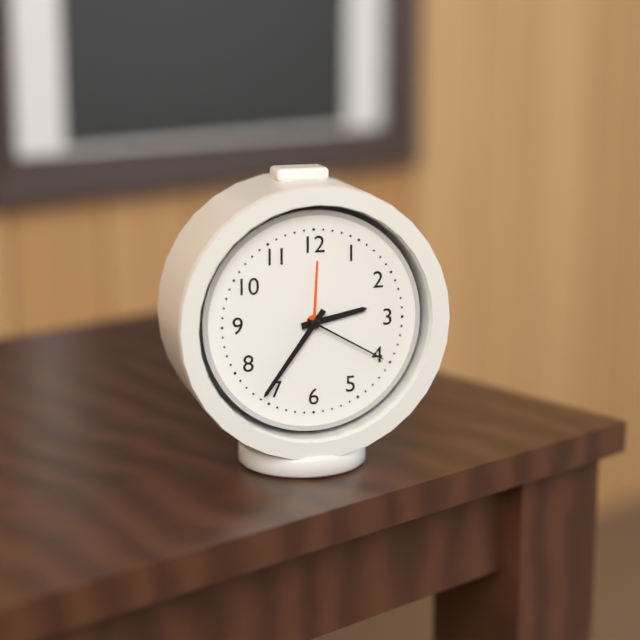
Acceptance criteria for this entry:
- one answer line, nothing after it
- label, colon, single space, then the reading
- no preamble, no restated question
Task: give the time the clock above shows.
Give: 2:36:20
